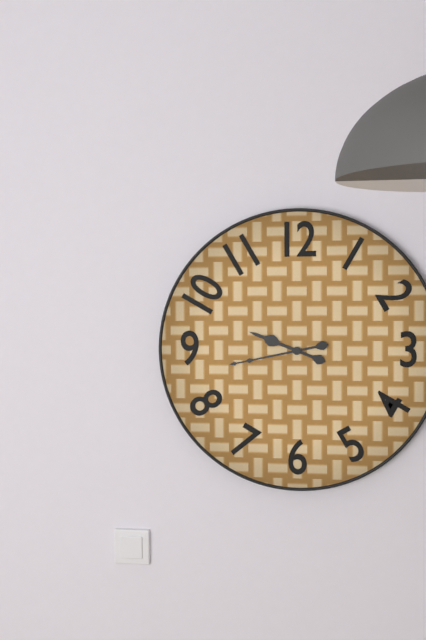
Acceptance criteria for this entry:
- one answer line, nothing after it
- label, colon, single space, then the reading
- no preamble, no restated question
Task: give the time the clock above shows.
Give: 9:43
